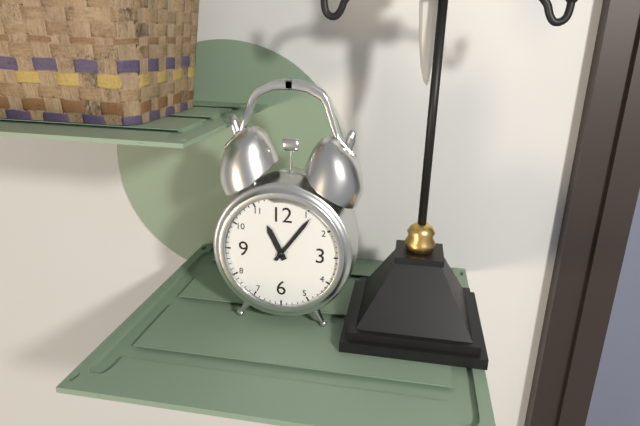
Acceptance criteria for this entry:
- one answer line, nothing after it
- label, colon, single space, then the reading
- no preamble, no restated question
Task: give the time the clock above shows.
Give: 11:06
